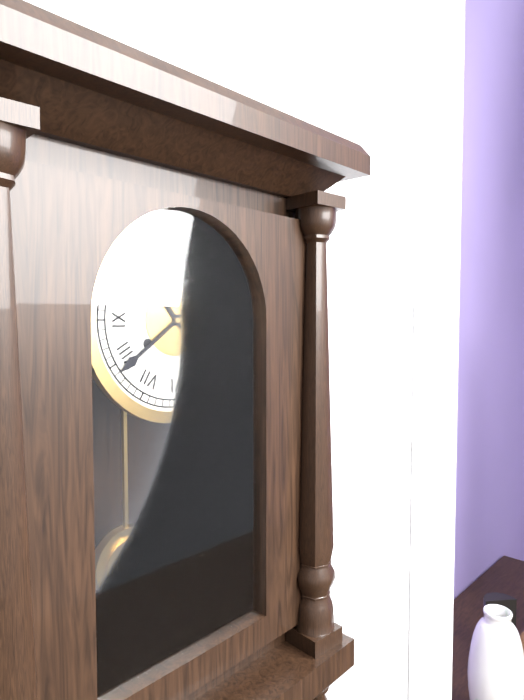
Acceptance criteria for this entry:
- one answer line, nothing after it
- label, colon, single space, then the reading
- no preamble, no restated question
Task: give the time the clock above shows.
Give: 10:39
